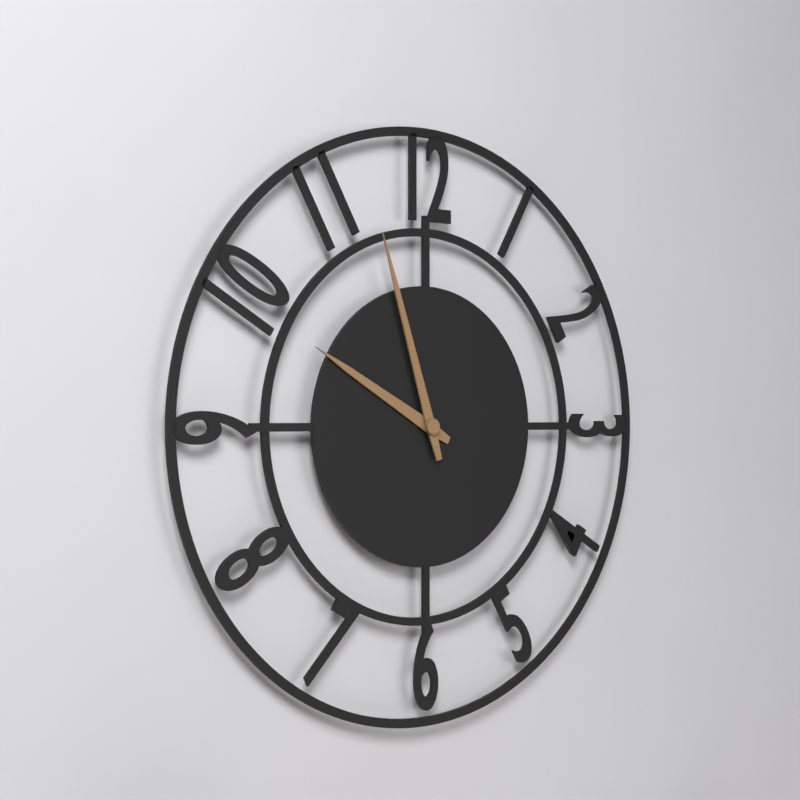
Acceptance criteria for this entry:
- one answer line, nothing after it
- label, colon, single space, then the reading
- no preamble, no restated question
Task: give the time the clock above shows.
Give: 9:57
